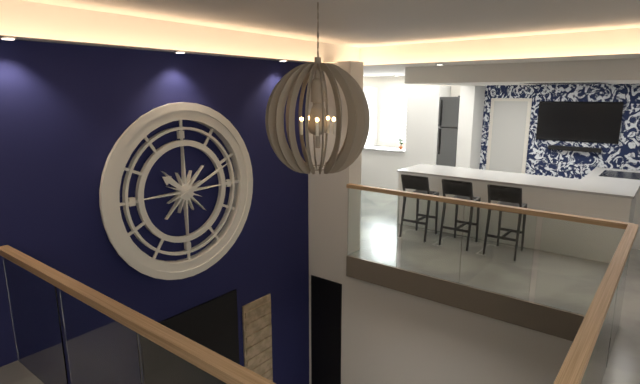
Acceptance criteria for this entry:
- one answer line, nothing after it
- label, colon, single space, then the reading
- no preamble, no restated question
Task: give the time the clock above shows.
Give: 10:11
